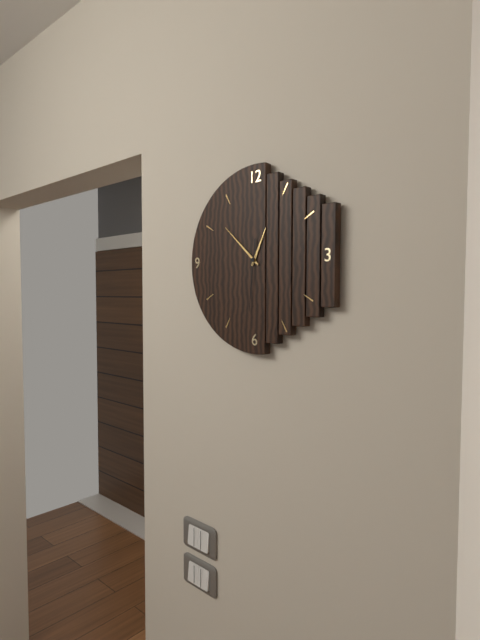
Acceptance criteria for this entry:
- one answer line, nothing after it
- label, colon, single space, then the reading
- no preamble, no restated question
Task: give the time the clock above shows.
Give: 12:52:31
